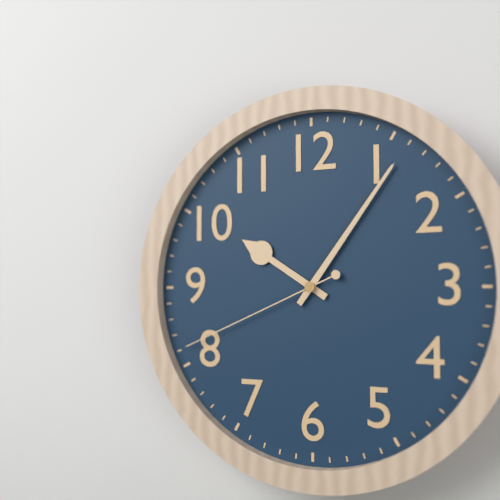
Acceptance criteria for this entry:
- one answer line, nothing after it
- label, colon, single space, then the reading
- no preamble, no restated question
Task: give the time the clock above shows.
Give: 10:06:41
